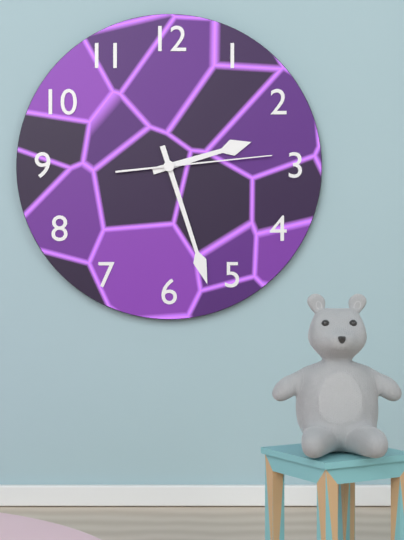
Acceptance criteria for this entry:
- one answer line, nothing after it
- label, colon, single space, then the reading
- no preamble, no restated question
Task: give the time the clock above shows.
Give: 2:27:14
